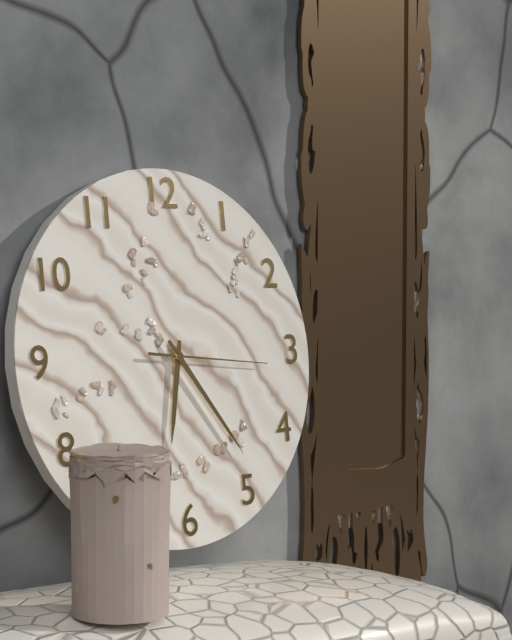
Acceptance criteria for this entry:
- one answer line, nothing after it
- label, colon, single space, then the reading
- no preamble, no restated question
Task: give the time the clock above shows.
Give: 6:24:16
